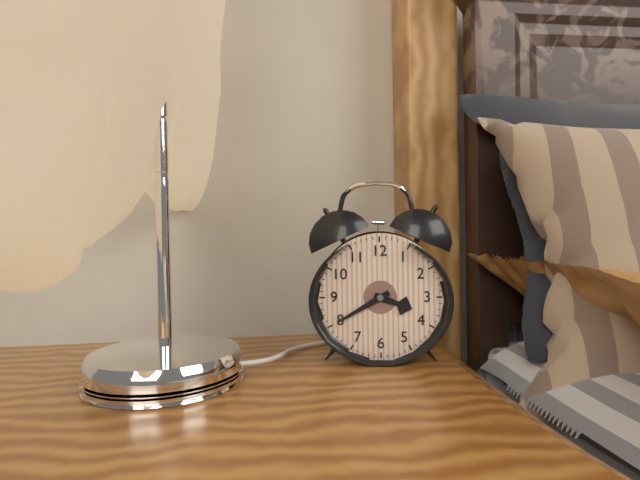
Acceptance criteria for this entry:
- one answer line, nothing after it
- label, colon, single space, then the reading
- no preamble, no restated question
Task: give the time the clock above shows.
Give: 3:40
